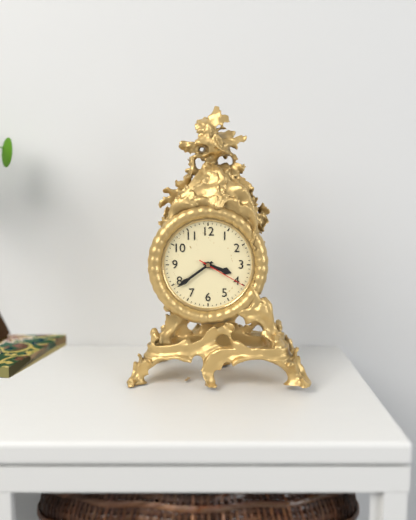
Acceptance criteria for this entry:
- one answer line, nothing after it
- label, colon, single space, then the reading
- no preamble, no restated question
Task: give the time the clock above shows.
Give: 3:39:20
